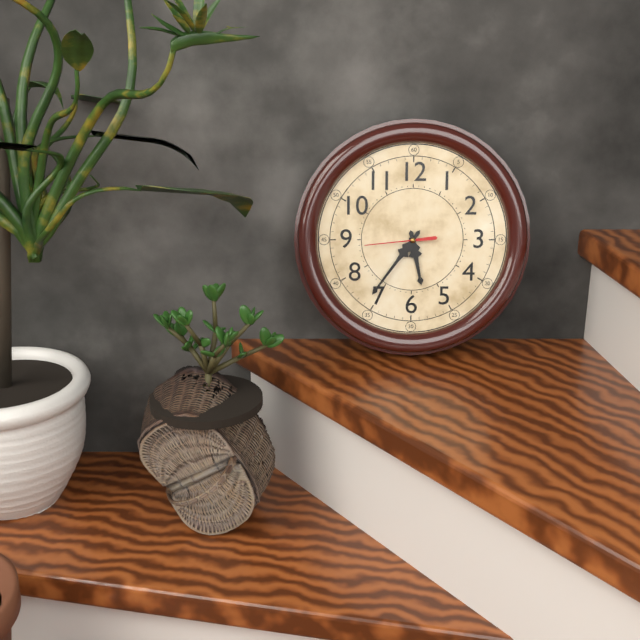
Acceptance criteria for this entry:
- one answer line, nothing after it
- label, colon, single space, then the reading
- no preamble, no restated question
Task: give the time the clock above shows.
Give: 5:36:44
